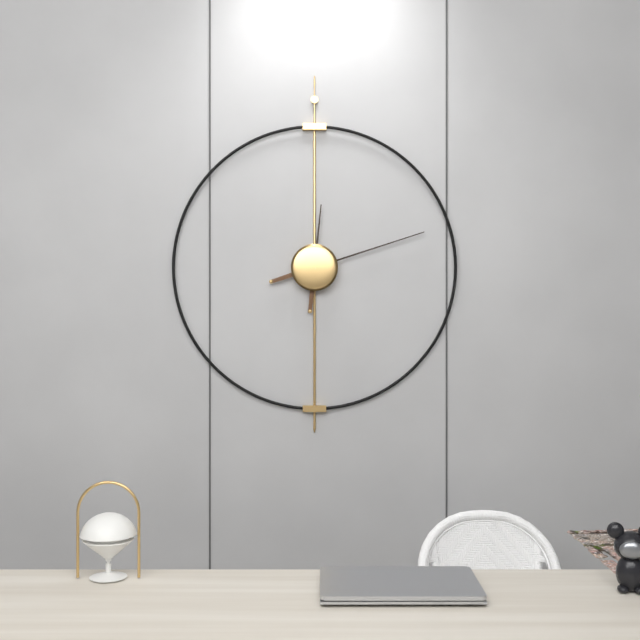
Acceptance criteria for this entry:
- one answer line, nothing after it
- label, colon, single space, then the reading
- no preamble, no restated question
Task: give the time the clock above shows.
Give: 12:12
